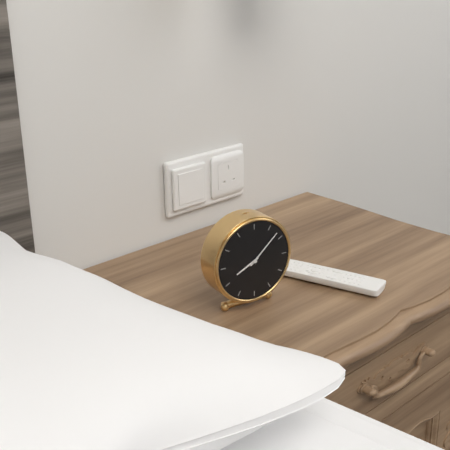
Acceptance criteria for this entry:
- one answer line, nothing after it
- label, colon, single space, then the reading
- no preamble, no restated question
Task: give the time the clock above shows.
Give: 8:08
